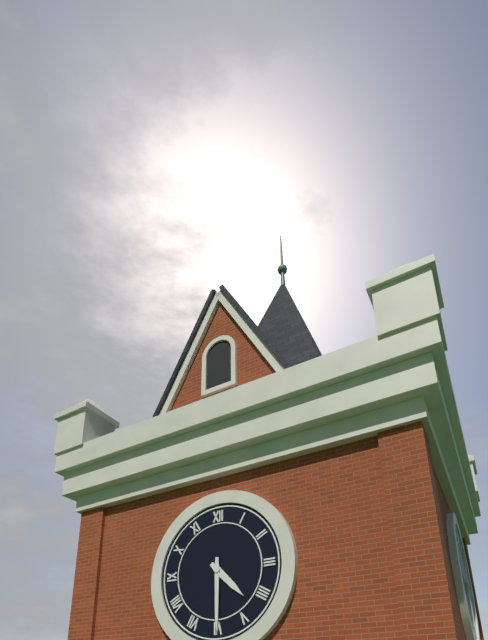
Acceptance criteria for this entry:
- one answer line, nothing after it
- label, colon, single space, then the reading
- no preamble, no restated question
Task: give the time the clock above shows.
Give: 4:30
